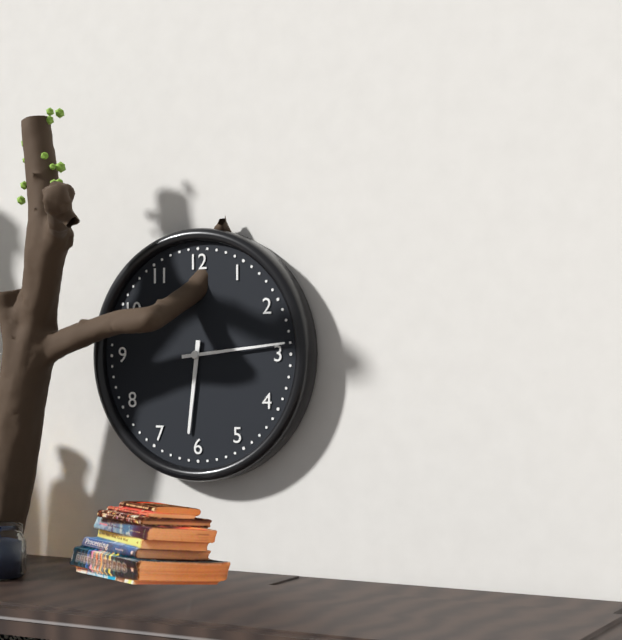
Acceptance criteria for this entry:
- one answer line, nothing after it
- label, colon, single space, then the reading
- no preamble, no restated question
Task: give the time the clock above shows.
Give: 6:14
